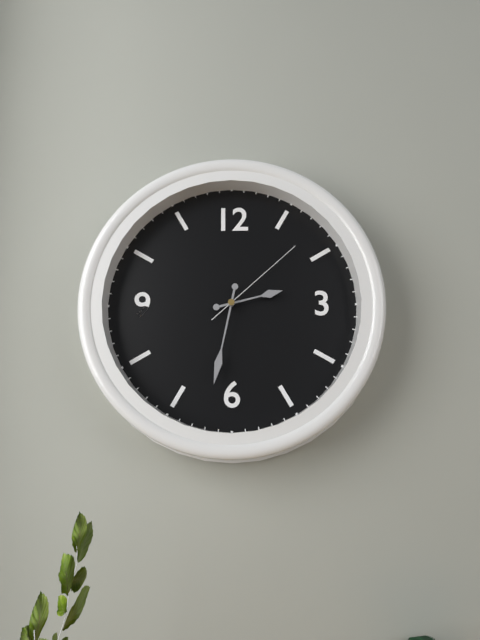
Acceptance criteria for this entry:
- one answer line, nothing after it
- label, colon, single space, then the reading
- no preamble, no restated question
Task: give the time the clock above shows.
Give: 2:32:08
